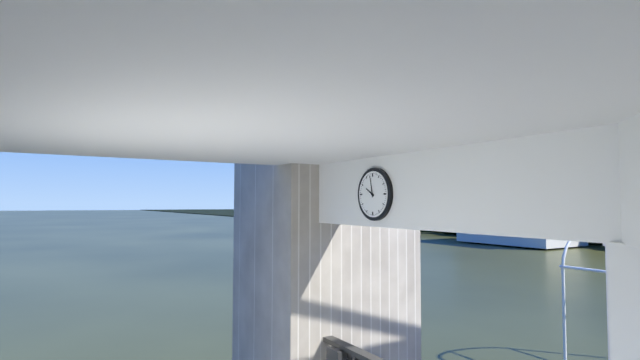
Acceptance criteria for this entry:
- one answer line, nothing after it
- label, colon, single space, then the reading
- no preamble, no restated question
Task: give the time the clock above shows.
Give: 9:58
